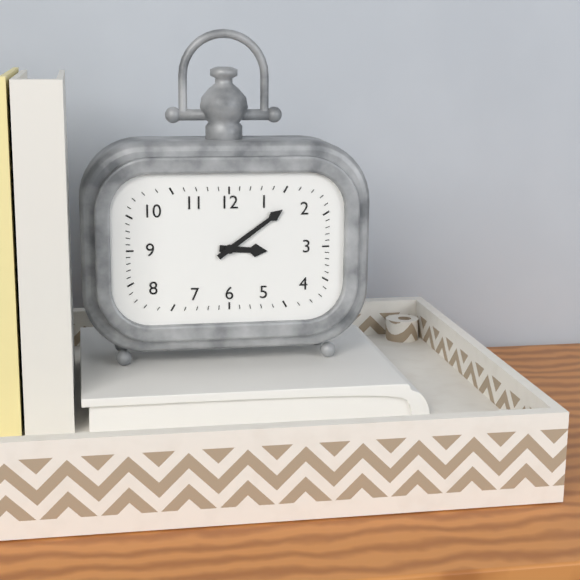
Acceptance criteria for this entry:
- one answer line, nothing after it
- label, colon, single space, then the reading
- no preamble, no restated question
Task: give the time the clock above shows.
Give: 3:09
